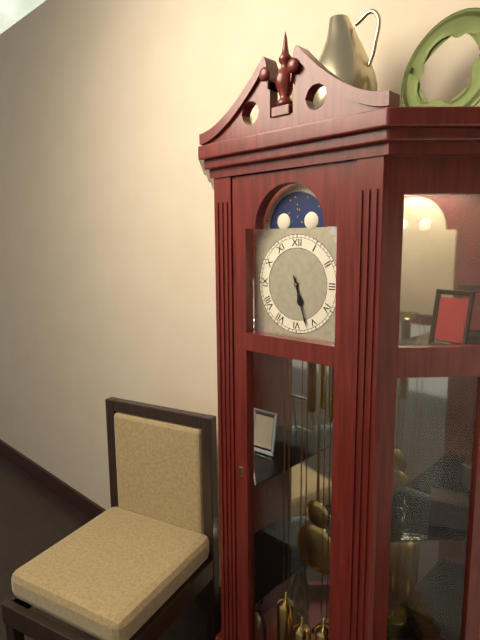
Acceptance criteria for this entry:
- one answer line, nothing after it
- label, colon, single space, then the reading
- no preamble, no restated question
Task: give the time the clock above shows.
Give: 5:27
